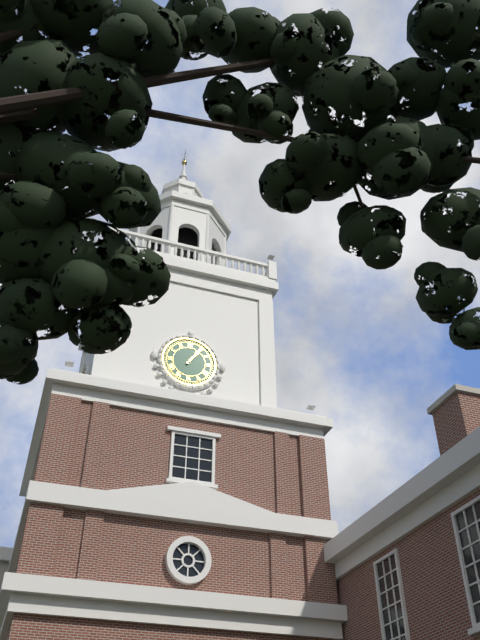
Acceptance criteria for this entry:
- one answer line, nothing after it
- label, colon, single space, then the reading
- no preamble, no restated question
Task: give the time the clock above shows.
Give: 1:06
